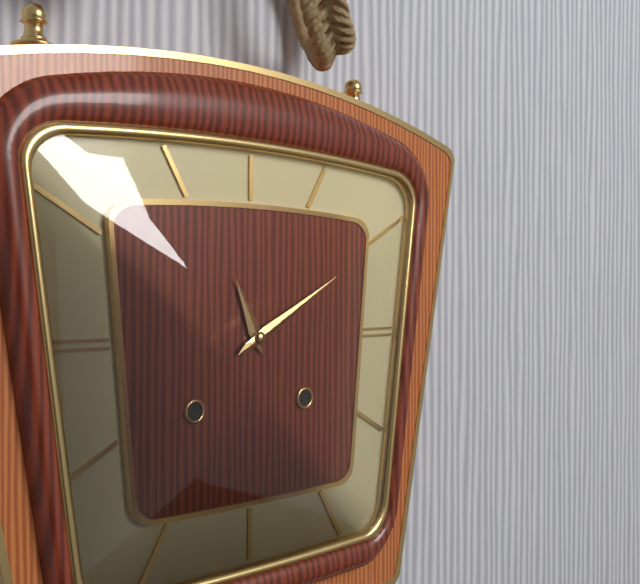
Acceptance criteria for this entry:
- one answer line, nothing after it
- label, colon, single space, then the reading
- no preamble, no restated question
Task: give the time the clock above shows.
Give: 11:10
